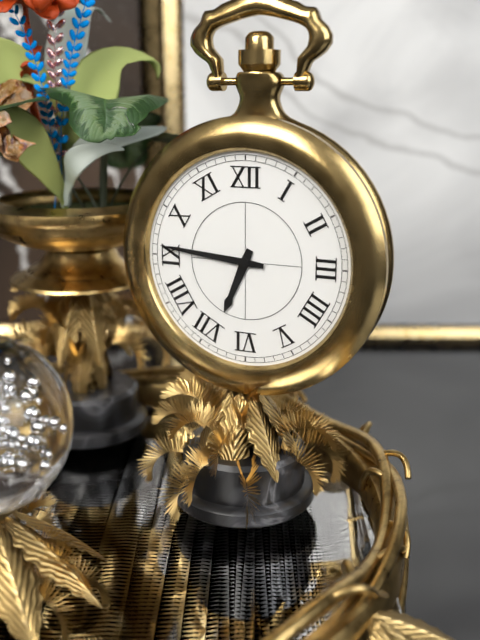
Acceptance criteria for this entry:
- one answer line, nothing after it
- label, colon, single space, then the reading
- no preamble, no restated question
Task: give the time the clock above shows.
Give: 6:46
